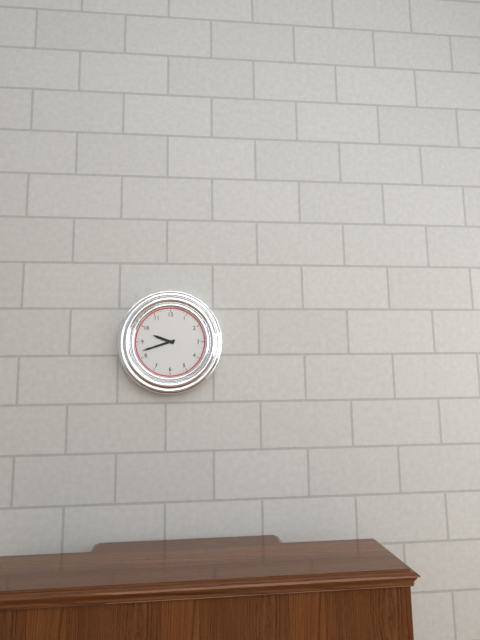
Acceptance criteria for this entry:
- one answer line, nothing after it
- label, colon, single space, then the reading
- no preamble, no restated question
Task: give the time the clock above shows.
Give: 9:42
